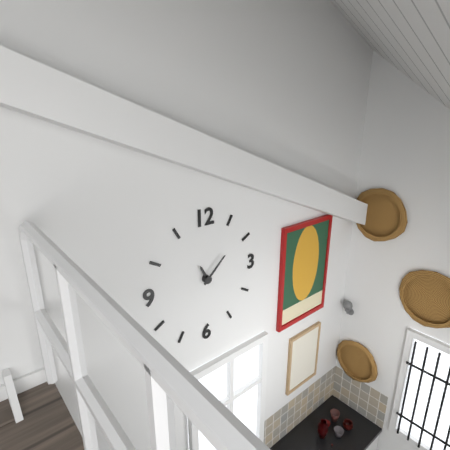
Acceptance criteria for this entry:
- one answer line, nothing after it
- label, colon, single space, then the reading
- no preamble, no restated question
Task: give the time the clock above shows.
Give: 11:08
